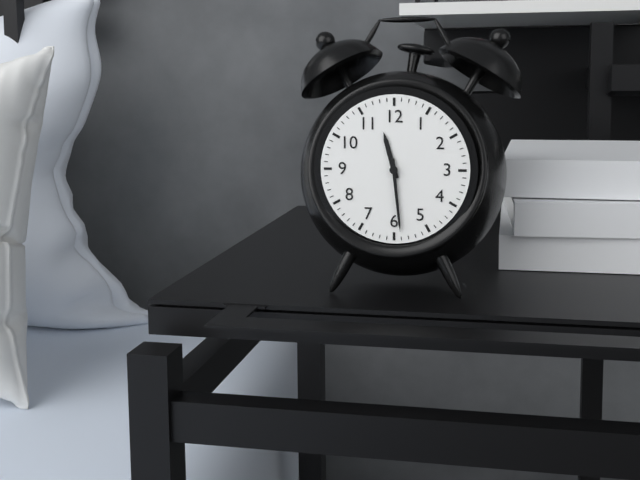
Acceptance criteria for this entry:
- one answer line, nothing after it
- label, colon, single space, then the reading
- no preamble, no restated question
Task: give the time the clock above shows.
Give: 11:29
